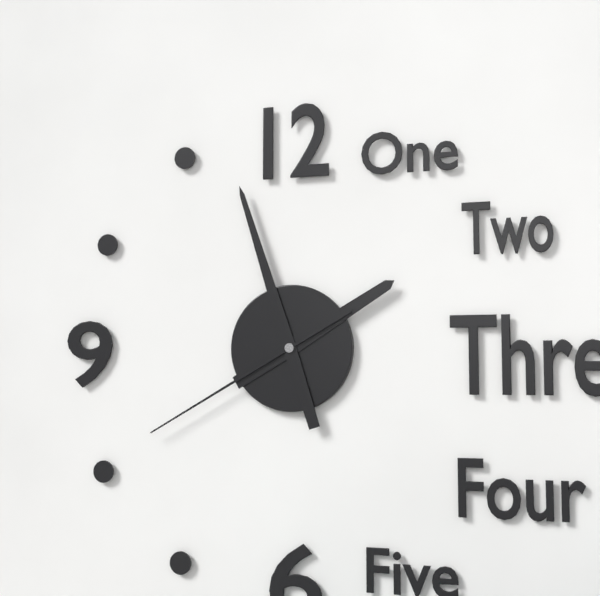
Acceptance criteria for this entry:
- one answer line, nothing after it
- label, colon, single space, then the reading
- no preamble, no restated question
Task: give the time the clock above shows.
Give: 1:57:40
